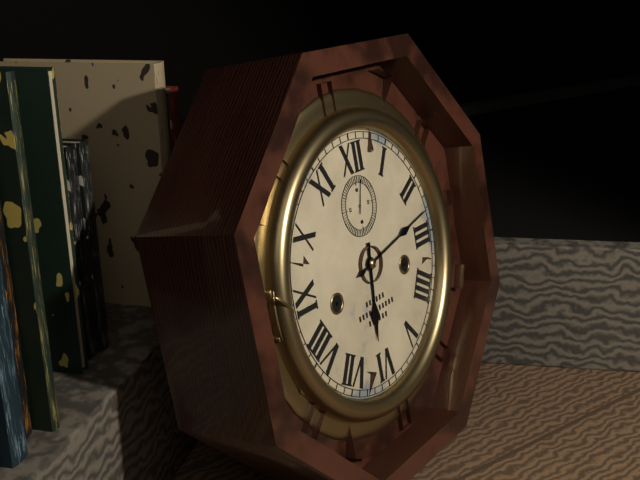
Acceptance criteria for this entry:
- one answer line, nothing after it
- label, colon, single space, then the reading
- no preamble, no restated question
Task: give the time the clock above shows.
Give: 6:13
